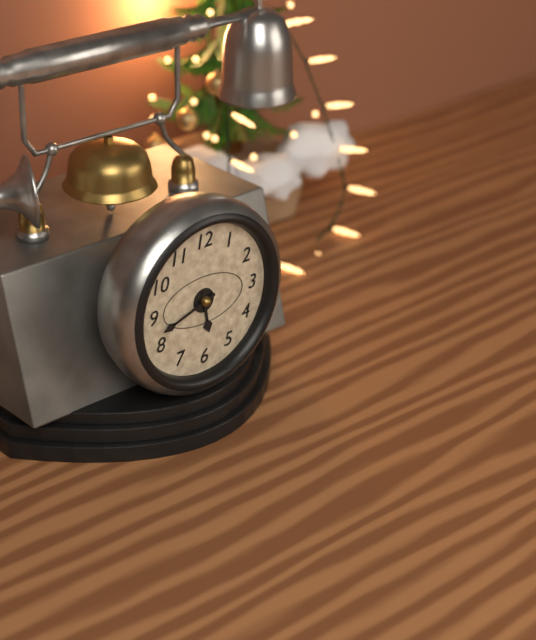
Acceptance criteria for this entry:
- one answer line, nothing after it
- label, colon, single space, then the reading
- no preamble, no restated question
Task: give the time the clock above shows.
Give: 5:42
